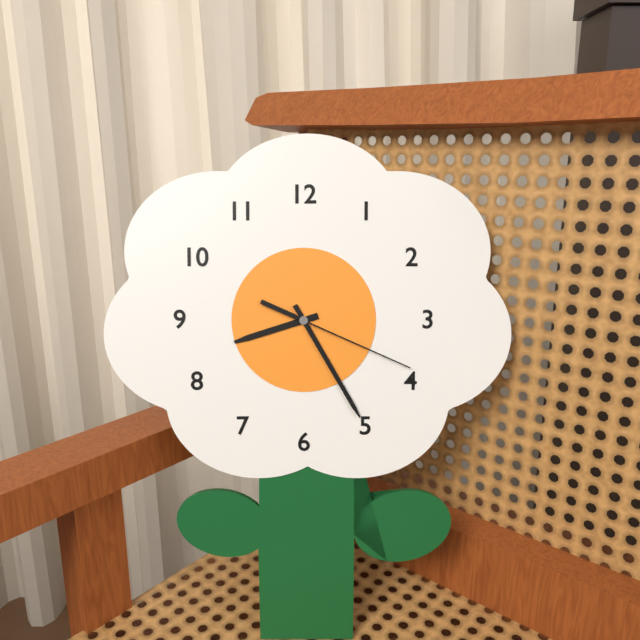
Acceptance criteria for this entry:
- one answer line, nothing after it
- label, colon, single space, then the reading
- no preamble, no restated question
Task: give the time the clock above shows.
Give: 8:25:19
